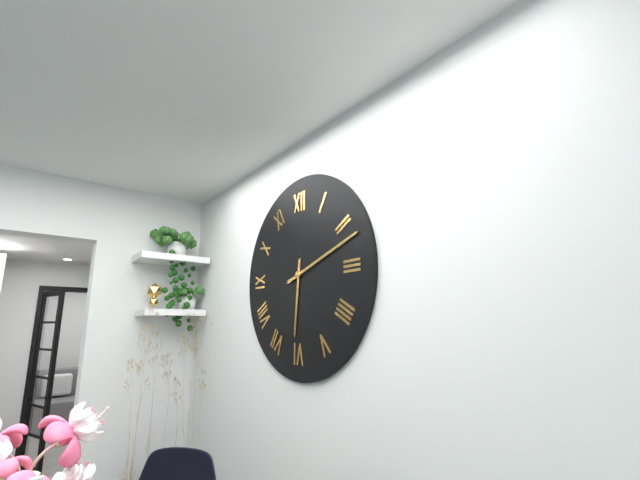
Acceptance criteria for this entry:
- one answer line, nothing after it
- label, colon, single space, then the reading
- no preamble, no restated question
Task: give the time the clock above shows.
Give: 6:12
